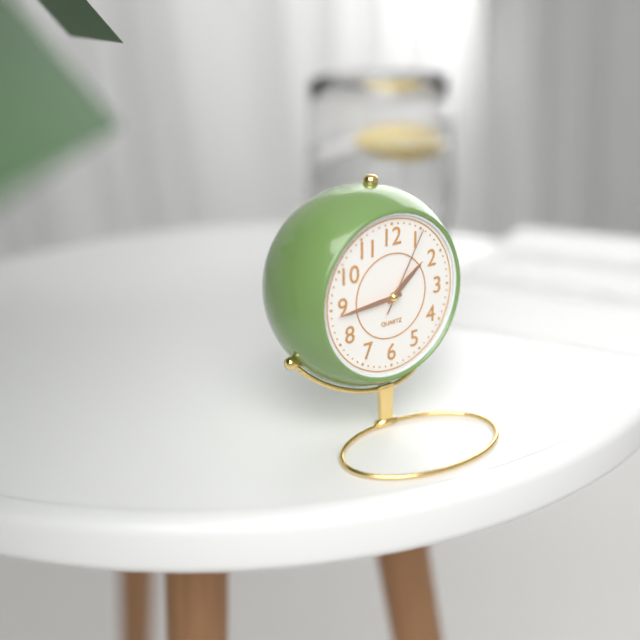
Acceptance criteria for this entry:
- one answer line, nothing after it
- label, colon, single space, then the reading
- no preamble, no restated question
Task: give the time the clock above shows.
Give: 1:44:05
